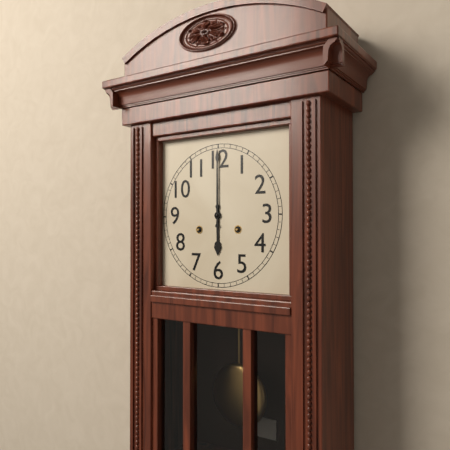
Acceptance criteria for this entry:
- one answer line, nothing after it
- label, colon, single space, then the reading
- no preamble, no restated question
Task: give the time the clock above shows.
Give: 6:00
